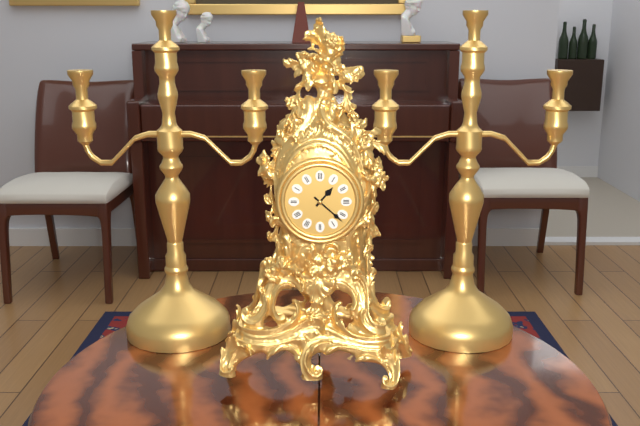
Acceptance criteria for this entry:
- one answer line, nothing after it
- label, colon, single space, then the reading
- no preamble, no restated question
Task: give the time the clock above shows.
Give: 1:22
